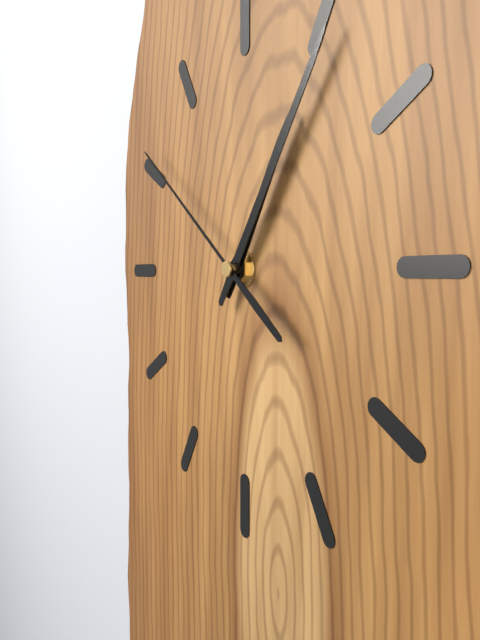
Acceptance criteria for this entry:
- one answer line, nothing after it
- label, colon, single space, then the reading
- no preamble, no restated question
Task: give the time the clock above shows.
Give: 1:06:51
